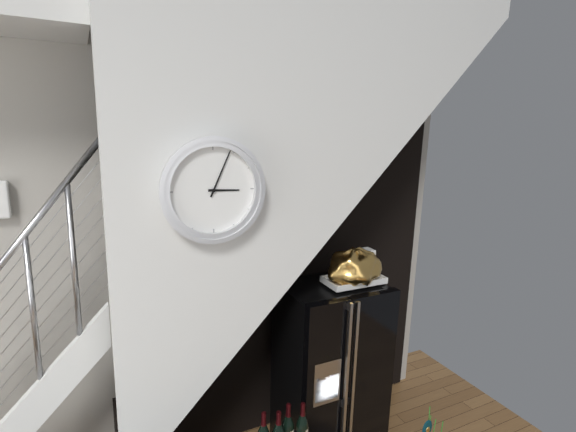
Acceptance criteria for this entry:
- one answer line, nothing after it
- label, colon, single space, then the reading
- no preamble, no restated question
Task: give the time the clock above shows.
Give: 3:04
